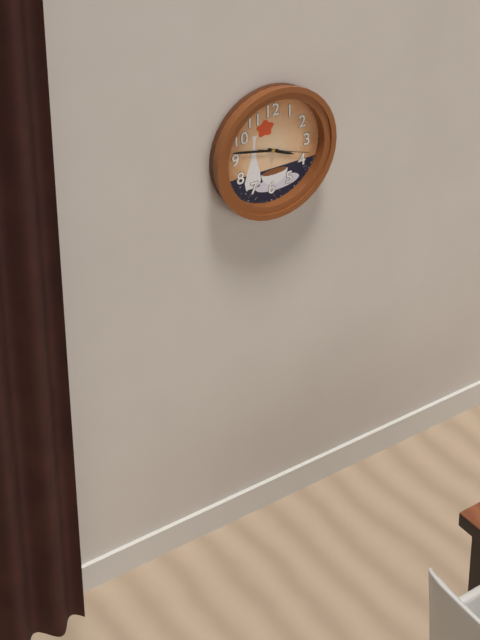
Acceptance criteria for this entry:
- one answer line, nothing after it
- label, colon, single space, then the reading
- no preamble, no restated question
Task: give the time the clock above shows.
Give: 3:47
